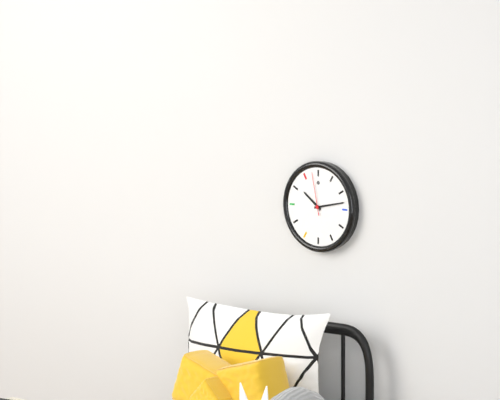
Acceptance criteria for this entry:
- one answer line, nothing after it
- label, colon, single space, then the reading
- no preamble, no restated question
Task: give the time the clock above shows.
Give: 10:13
